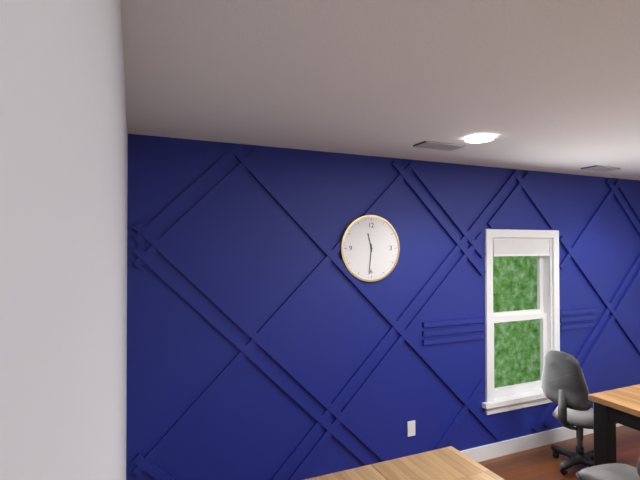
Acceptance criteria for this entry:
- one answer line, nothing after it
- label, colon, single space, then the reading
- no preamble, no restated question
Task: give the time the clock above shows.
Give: 11:31
